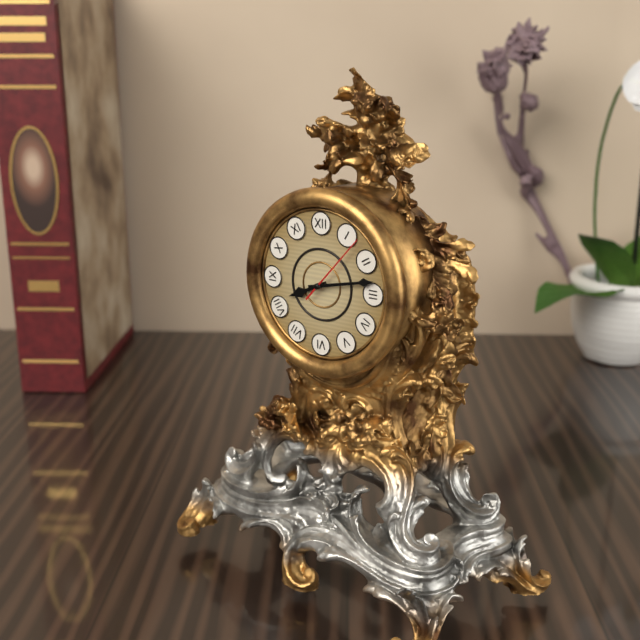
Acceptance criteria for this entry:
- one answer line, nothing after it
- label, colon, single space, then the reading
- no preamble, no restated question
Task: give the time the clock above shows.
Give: 8:13:07
